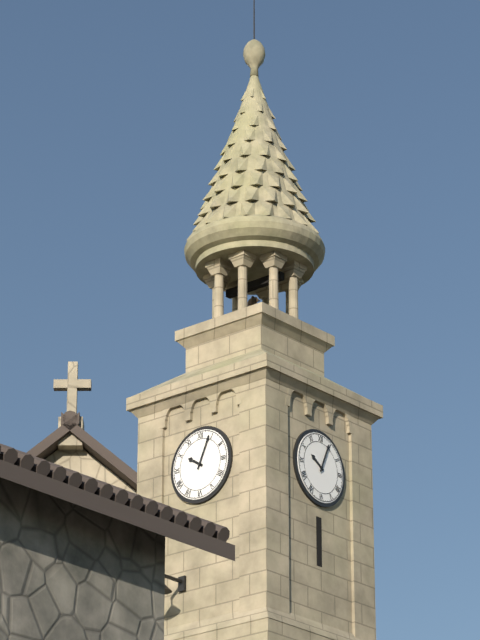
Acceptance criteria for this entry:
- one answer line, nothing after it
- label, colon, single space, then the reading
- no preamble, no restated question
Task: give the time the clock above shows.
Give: 10:04
